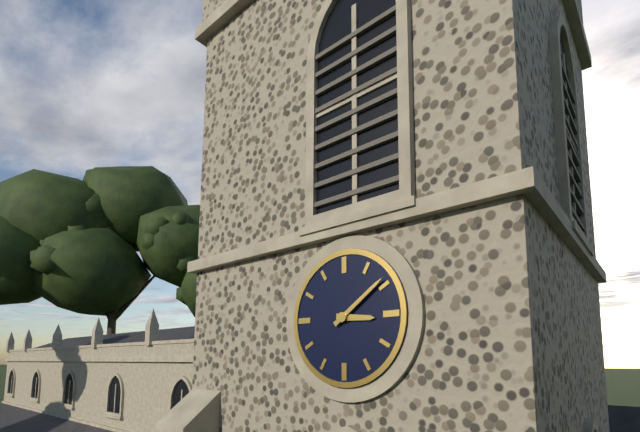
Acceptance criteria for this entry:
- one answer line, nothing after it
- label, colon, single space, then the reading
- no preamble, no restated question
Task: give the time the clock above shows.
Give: 3:09
